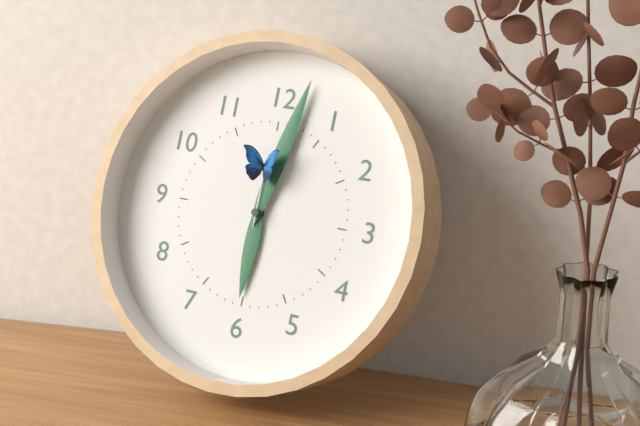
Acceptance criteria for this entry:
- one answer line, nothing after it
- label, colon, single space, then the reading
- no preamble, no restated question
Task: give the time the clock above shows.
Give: 6:02:00
